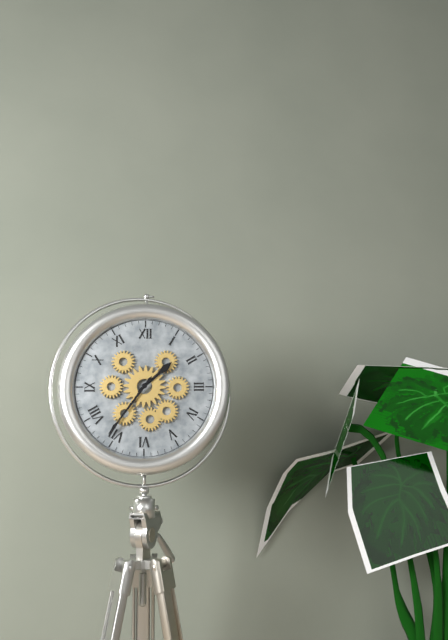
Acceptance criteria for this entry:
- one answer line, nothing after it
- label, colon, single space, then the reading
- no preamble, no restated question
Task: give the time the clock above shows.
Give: 1:36
